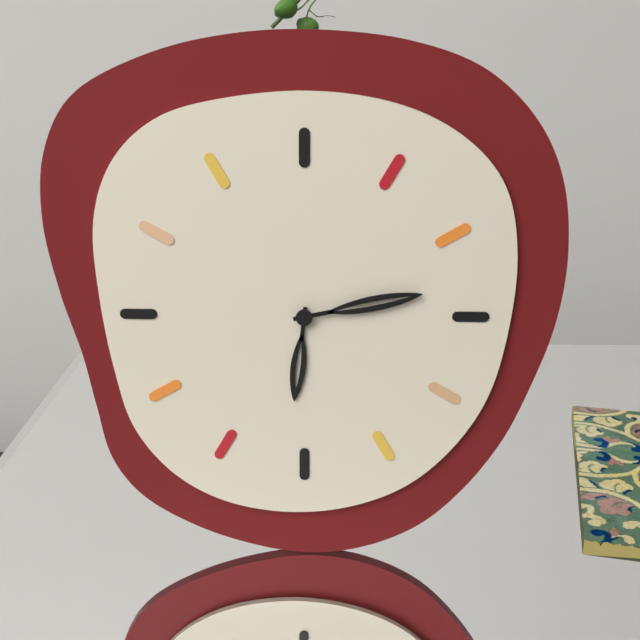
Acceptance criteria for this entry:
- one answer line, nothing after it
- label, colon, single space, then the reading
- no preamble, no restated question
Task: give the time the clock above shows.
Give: 6:13
